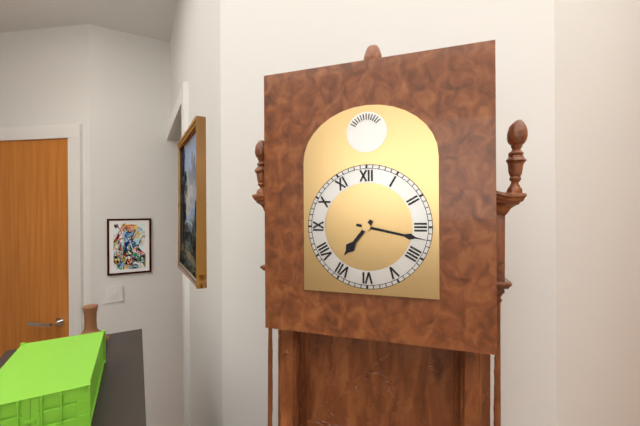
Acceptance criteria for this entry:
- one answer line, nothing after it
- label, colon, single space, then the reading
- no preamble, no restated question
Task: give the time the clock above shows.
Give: 7:17
